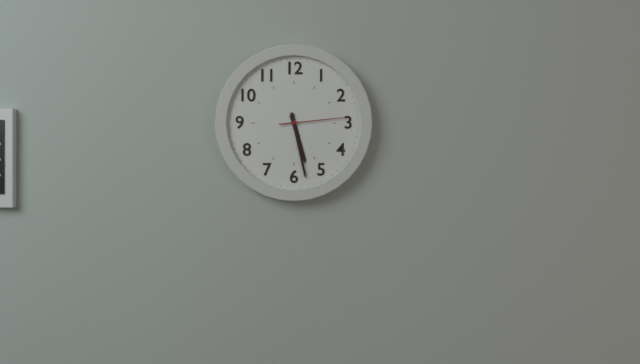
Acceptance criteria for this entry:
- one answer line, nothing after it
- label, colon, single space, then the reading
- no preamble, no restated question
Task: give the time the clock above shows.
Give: 5:28:14
